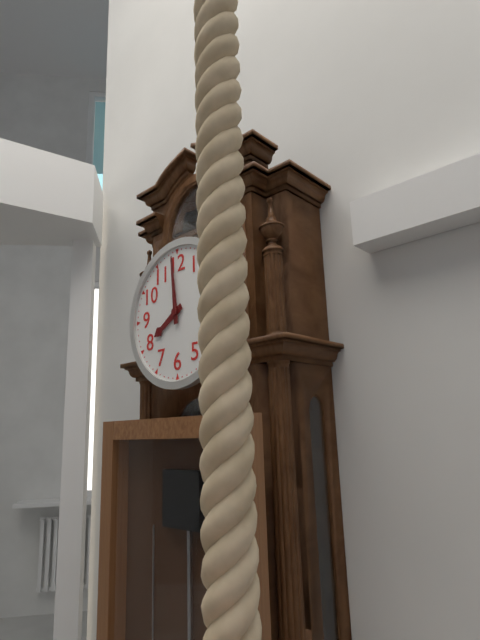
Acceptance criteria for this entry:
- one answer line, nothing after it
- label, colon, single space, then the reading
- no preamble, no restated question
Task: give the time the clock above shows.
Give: 7:59
